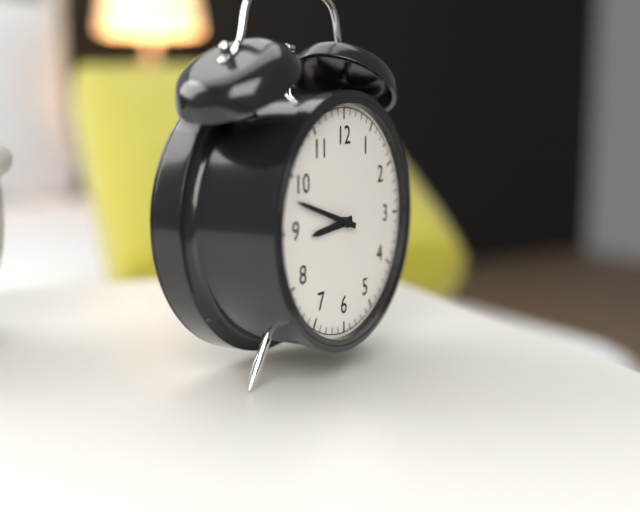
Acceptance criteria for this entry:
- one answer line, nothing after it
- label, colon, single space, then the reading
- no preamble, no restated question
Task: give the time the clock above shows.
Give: 8:48
